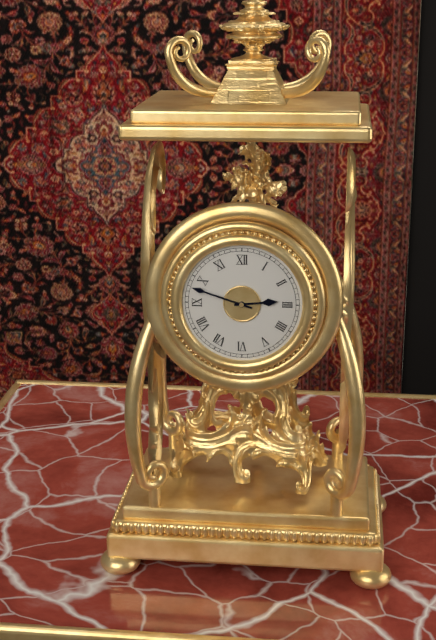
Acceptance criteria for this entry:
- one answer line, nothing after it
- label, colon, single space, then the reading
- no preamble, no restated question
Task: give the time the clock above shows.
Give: 2:48
